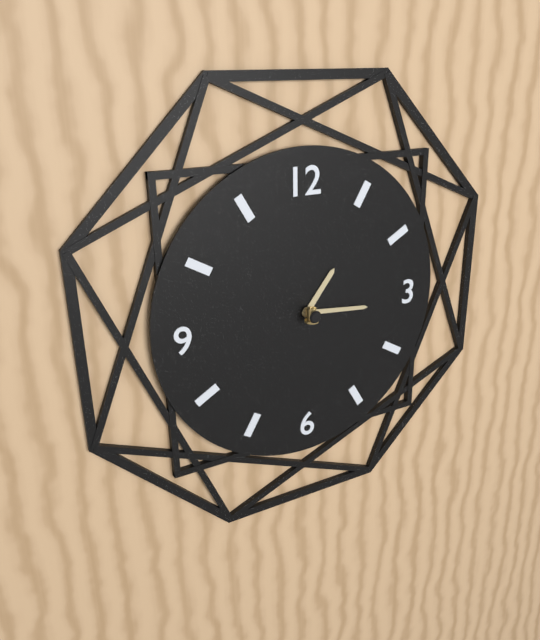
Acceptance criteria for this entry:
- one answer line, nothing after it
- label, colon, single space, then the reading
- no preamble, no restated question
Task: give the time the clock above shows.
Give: 1:16
